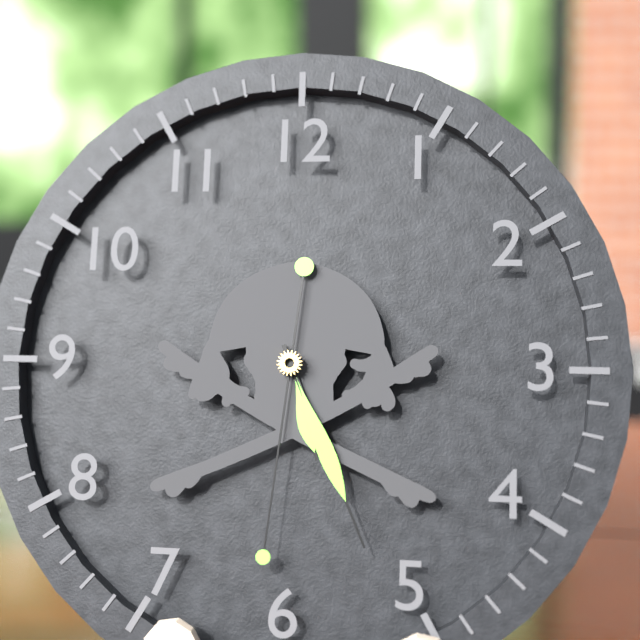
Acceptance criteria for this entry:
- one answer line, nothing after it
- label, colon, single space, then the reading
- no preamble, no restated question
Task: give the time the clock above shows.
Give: 5:26:31
